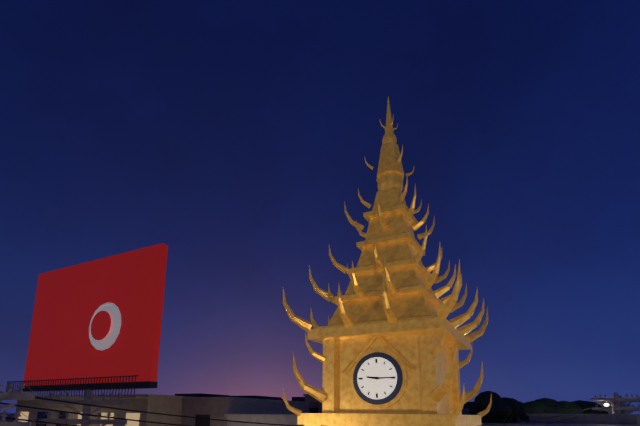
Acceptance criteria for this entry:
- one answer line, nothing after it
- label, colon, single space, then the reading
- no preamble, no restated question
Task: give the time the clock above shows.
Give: 9:15
